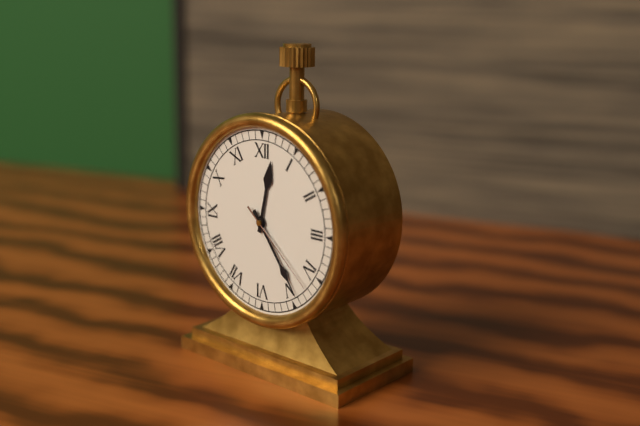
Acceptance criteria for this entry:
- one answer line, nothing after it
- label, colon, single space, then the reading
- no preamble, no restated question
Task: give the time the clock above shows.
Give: 12:24:22
